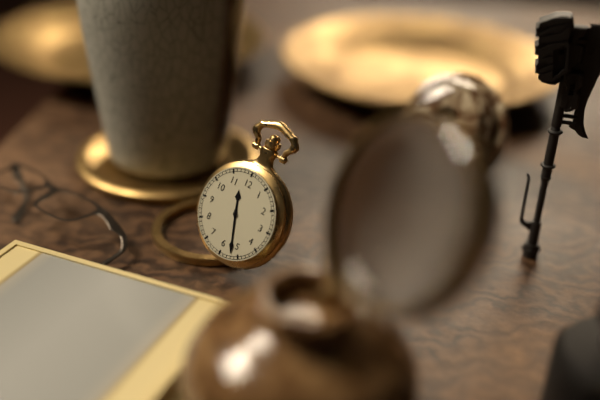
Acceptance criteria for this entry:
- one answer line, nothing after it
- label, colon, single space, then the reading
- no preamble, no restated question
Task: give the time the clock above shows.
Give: 11:27
